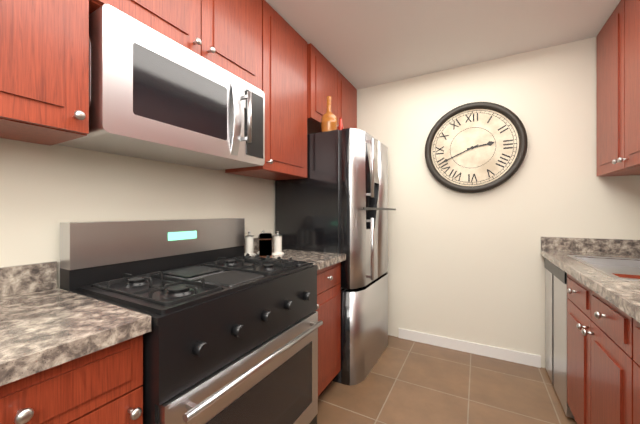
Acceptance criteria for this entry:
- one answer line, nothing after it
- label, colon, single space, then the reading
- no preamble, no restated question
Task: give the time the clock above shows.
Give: 2:41
